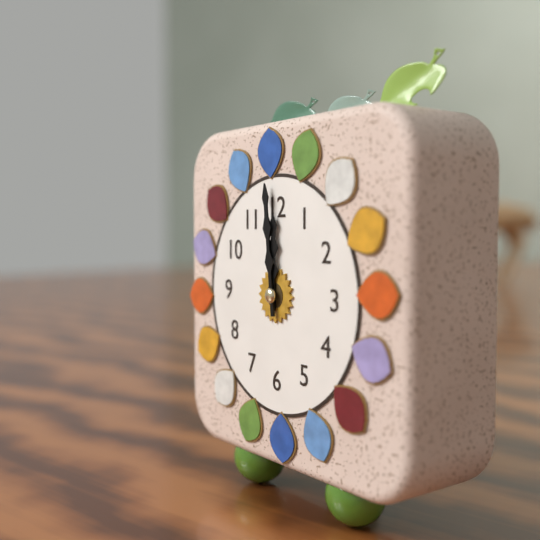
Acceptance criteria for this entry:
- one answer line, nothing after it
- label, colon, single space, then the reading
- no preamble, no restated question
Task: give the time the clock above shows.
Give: 11:59
